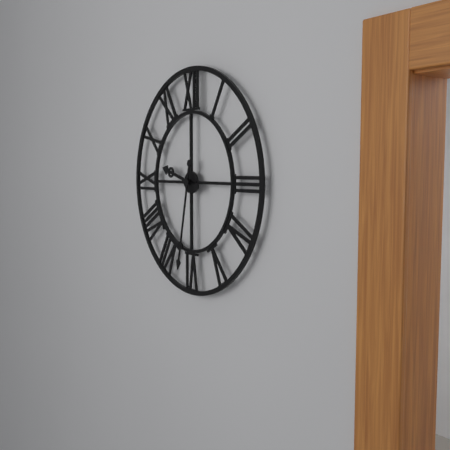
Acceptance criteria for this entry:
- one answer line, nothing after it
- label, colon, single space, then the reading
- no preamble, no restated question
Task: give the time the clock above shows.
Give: 9:32
